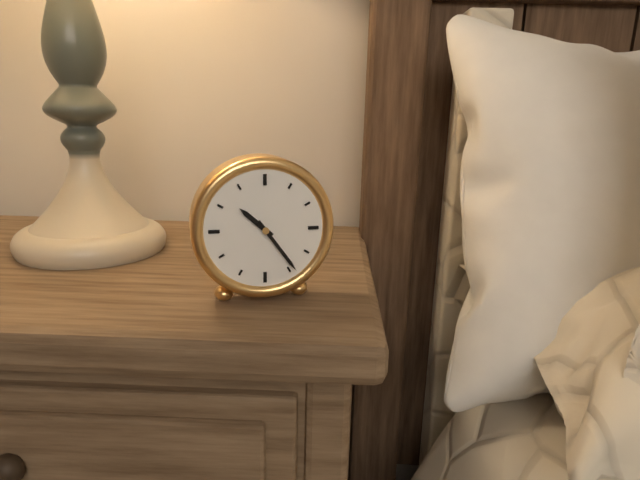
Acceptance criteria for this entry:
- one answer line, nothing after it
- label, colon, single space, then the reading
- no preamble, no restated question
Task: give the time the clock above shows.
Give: 10:24
